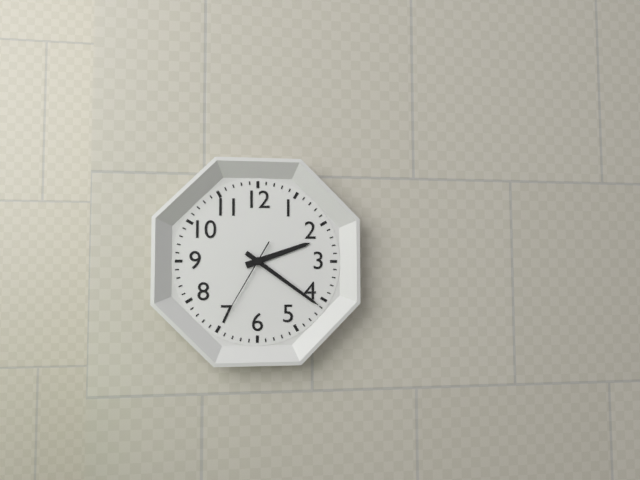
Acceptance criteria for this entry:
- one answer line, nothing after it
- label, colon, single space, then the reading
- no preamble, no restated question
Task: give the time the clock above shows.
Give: 2:21:35
